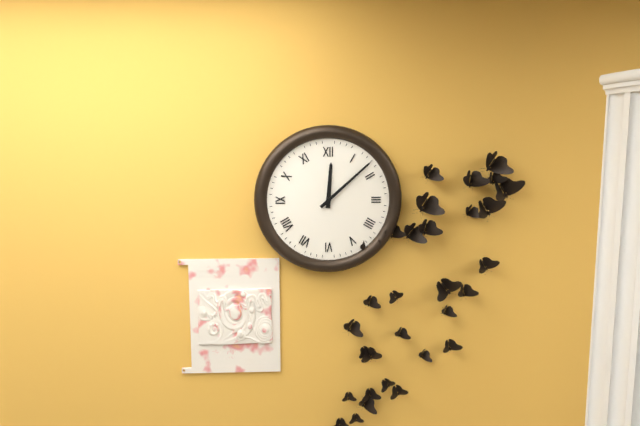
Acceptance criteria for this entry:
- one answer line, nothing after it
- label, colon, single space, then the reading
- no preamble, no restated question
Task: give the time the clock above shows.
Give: 12:08
